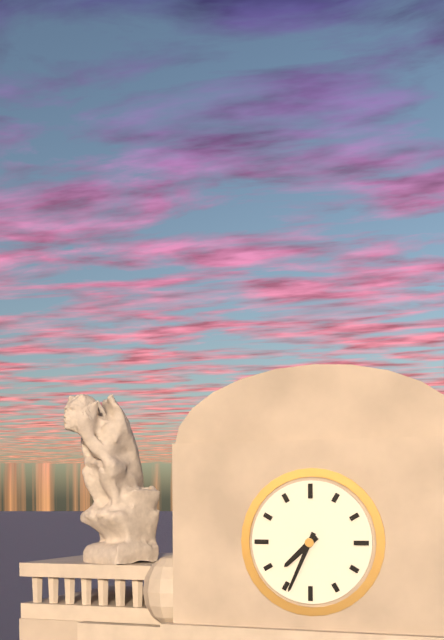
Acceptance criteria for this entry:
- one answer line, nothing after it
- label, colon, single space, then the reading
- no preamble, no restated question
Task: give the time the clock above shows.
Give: 7:34
